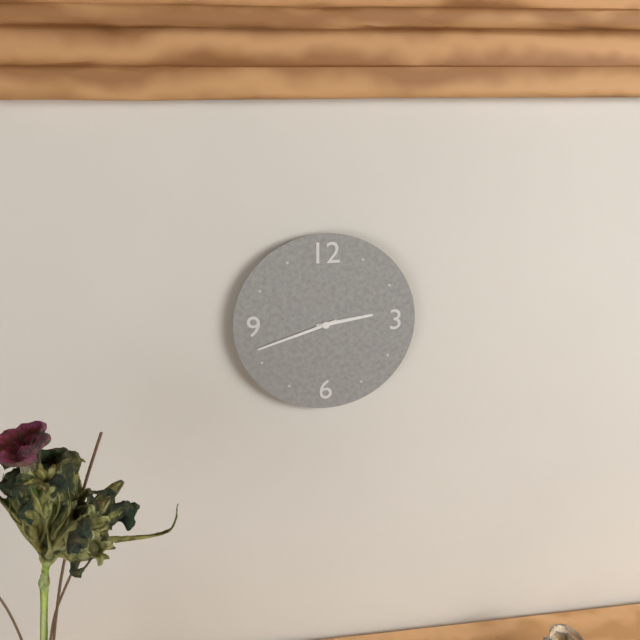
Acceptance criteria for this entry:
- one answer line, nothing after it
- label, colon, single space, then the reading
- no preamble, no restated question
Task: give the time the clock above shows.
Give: 2:42
